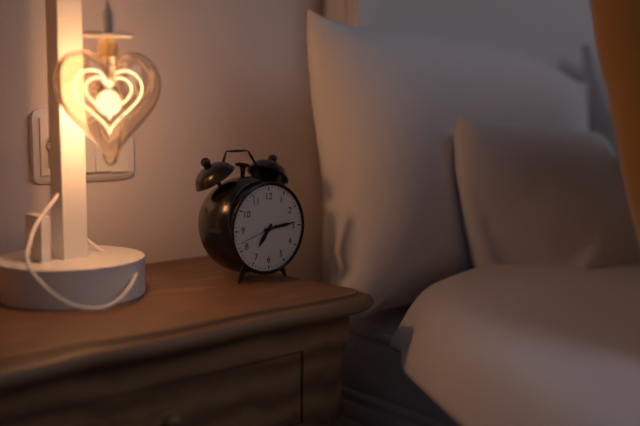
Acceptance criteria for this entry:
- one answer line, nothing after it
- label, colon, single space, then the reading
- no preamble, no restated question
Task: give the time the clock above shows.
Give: 7:14
